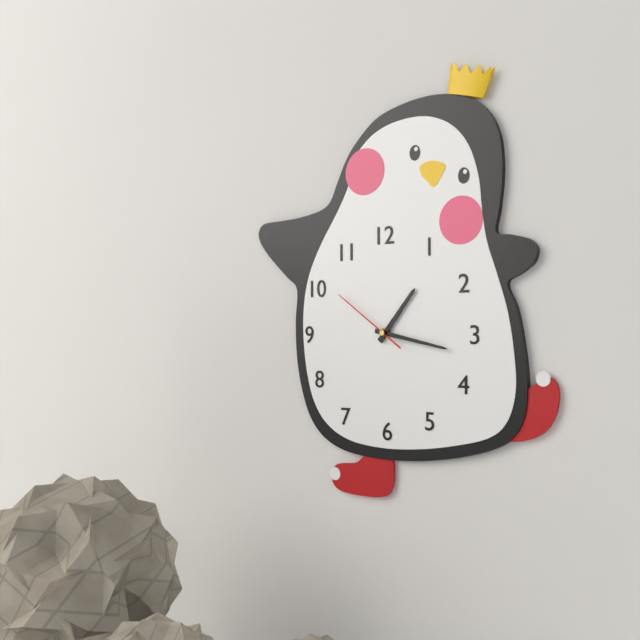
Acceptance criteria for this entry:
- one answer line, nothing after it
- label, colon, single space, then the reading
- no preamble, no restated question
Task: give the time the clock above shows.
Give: 1:17:51
